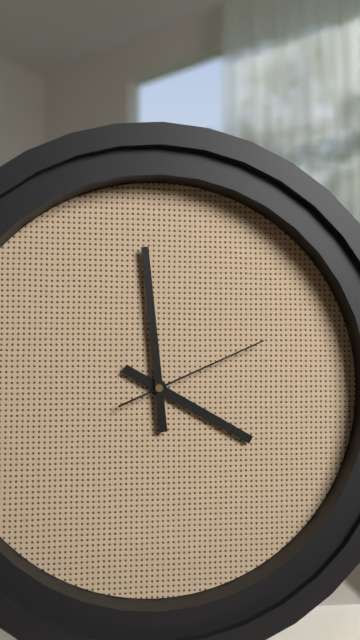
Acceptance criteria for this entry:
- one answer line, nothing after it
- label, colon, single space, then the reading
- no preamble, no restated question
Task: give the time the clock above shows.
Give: 3:59:11
